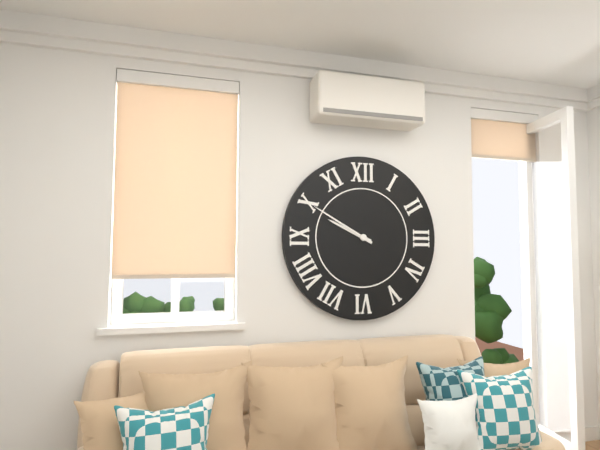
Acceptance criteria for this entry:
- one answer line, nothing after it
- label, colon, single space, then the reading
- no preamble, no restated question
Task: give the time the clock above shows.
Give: 9:50
